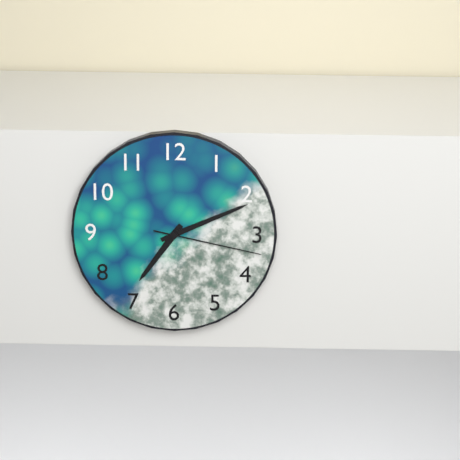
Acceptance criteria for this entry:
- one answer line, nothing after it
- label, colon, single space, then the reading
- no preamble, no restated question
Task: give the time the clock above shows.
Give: 7:11:17
